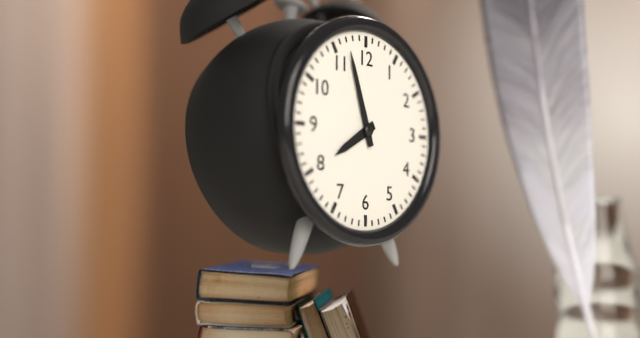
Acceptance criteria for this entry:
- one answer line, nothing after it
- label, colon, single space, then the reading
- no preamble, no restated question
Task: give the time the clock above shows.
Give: 7:57
